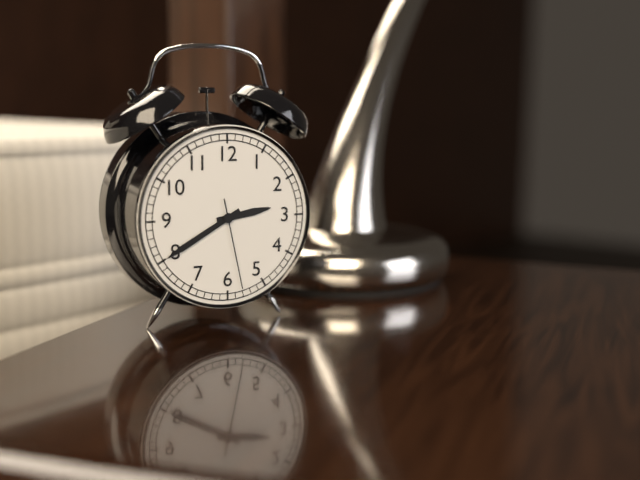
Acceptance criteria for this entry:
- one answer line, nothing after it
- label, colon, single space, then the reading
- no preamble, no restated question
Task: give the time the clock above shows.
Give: 2:40:28
